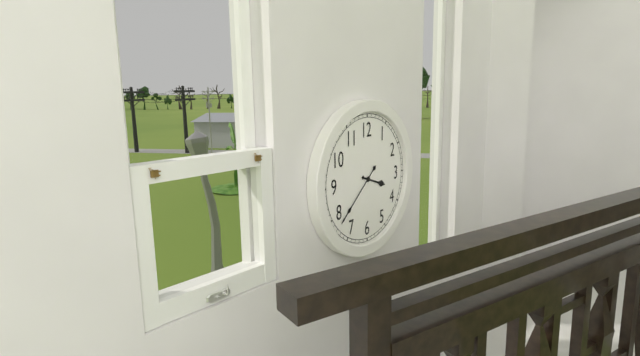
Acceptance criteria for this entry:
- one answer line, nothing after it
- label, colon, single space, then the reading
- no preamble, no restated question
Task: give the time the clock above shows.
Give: 3:38
